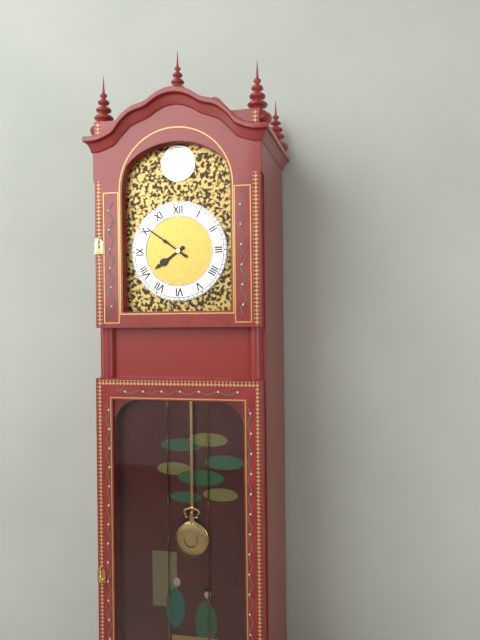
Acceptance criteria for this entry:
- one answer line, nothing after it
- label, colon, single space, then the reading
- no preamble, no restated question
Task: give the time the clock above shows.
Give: 7:51
